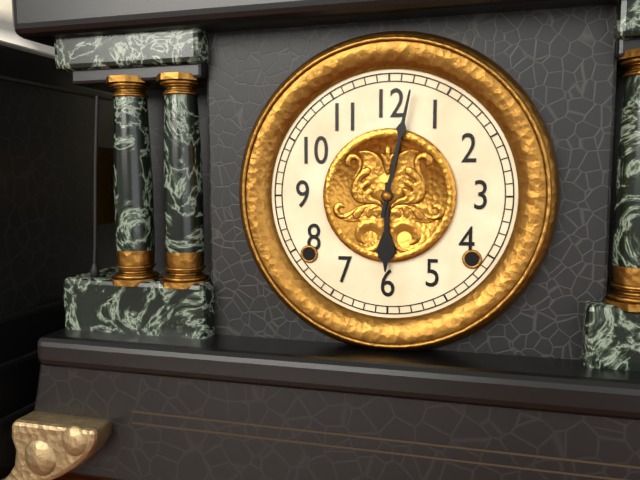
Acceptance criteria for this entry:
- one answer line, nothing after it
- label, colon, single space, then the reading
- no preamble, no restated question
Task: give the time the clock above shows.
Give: 6:02
